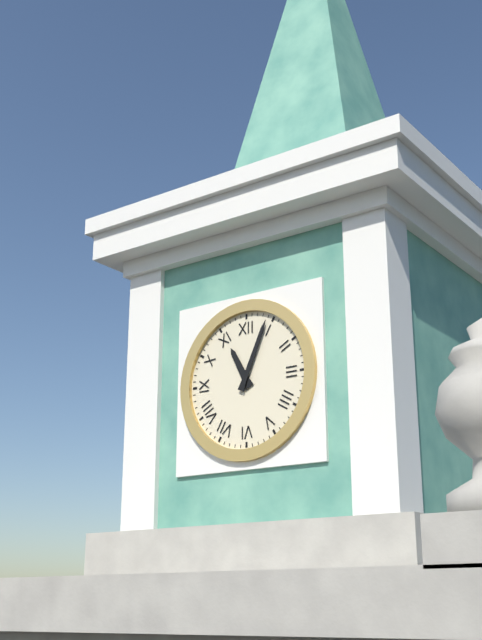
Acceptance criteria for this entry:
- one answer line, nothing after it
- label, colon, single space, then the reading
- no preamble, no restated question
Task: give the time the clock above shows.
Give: 11:04
